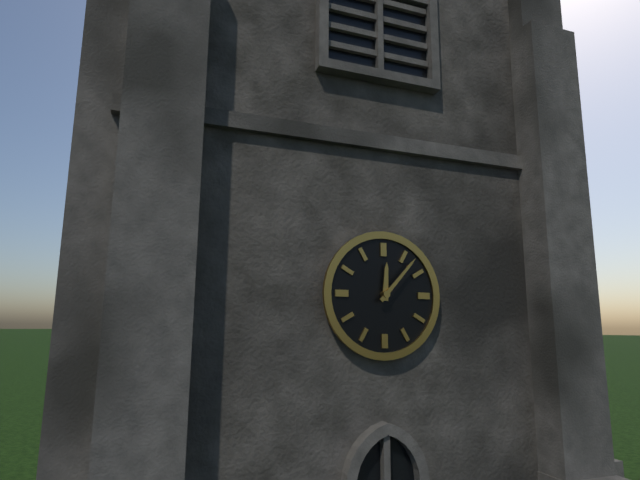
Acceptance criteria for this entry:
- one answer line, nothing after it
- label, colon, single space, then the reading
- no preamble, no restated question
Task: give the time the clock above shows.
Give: 12:07
